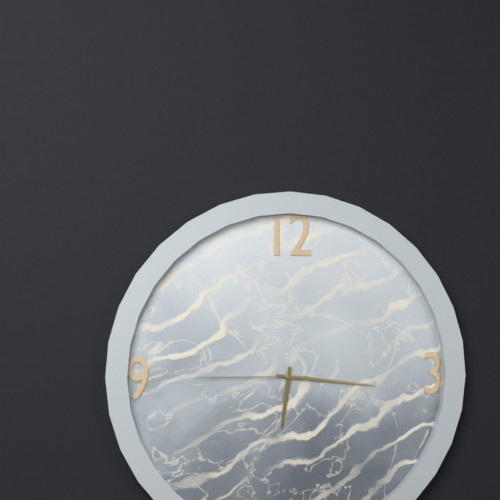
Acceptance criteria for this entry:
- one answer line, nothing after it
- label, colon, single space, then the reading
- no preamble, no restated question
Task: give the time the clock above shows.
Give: 6:16:45
